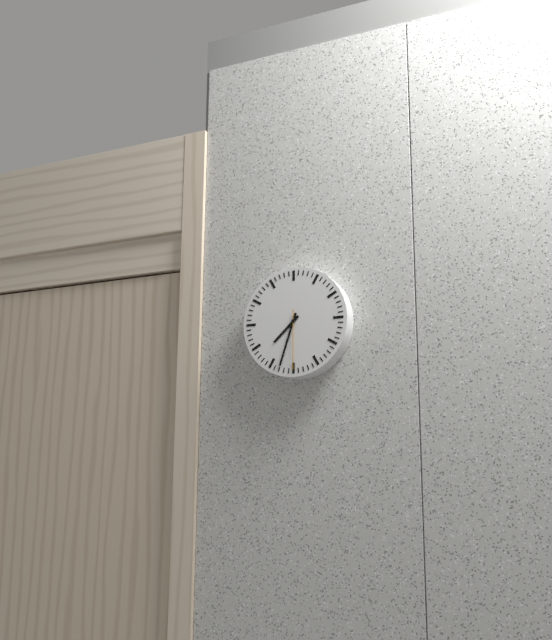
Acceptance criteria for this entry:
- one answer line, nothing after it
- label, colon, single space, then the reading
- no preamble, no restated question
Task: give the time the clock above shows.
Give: 7:33:30
